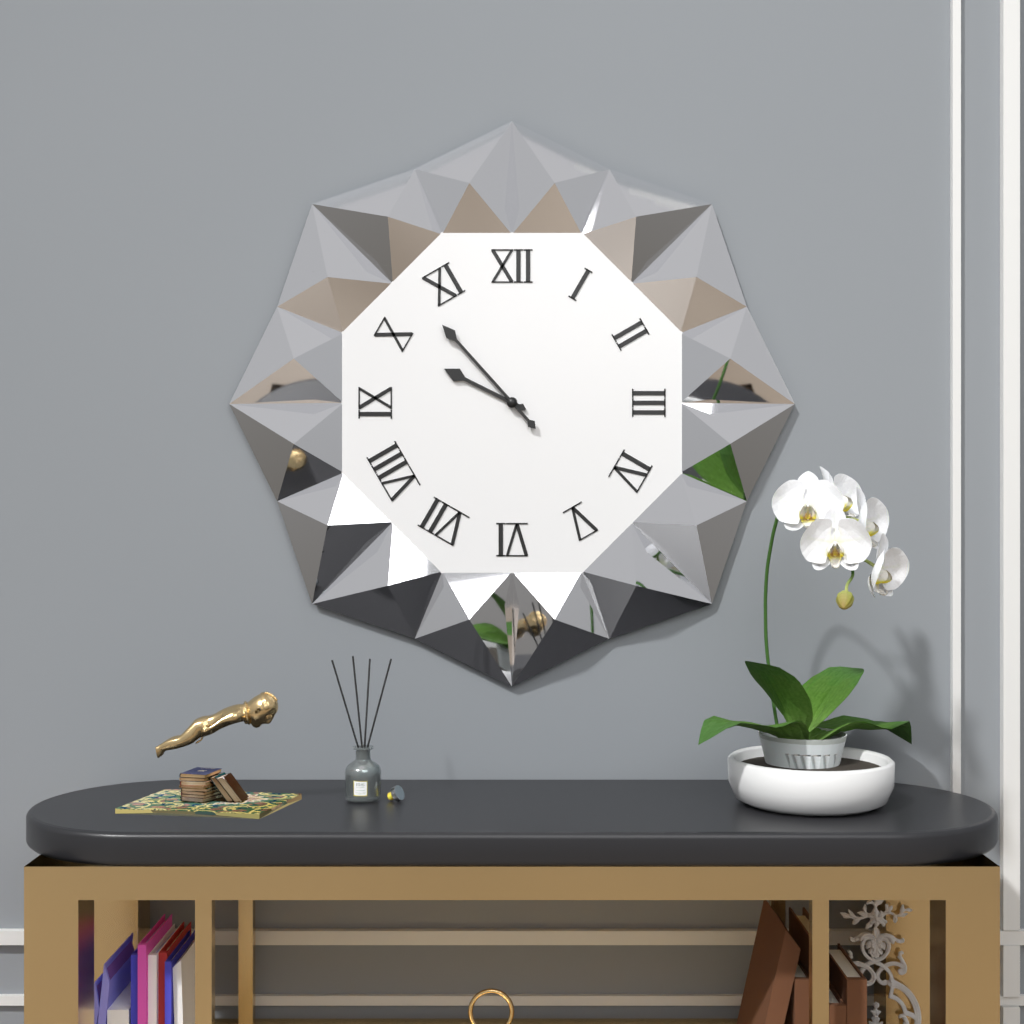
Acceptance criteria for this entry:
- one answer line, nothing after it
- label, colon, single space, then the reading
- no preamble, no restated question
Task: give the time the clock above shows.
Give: 9:53
